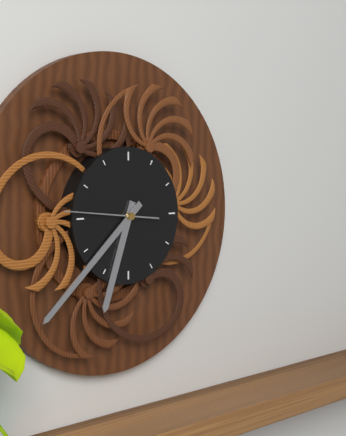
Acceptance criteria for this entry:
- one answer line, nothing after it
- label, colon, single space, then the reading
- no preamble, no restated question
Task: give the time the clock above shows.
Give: 6:38:46
